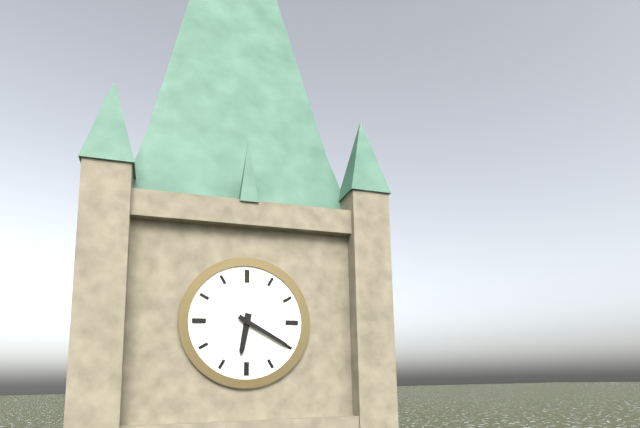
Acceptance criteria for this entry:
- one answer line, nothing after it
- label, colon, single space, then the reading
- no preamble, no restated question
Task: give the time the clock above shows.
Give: 6:20
